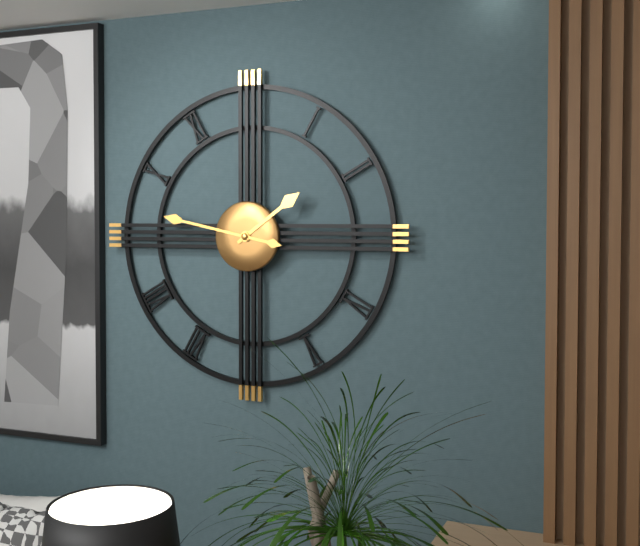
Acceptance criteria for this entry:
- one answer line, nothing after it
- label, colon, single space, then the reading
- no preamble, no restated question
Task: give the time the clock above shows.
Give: 1:47
